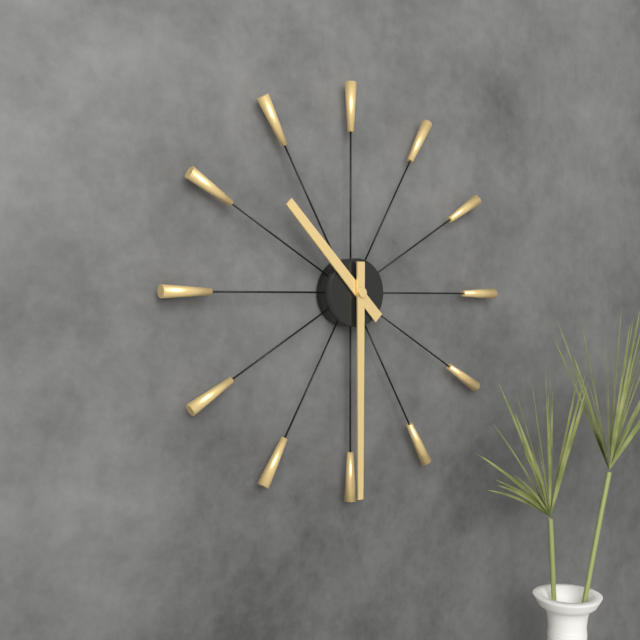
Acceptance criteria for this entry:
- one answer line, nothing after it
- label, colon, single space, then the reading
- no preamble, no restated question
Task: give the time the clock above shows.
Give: 10:30
